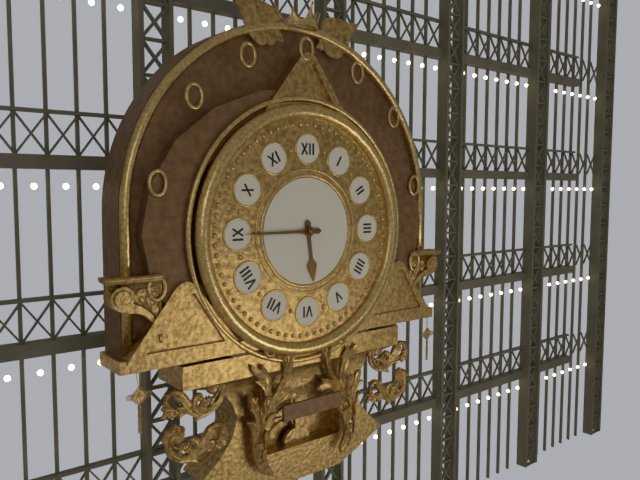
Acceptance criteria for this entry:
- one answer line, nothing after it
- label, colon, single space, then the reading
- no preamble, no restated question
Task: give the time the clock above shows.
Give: 5:45
